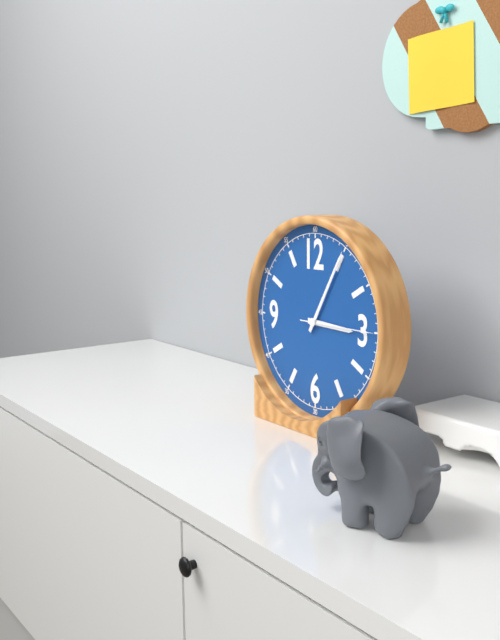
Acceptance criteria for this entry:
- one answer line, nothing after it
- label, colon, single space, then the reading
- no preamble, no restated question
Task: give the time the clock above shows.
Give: 3:05:15
